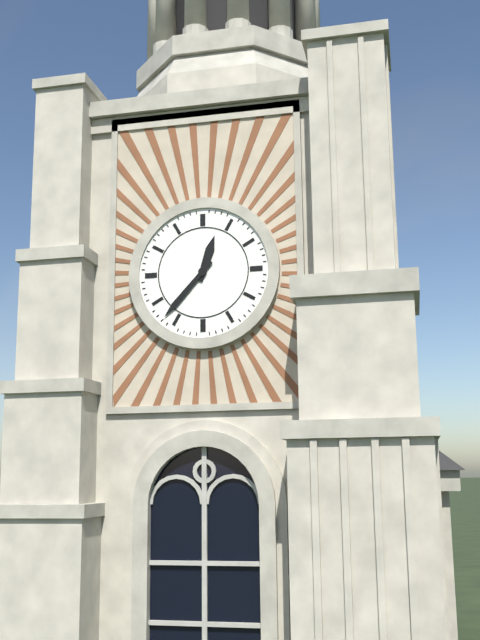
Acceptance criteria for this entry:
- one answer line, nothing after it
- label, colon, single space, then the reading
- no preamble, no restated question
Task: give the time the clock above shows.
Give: 12:37
